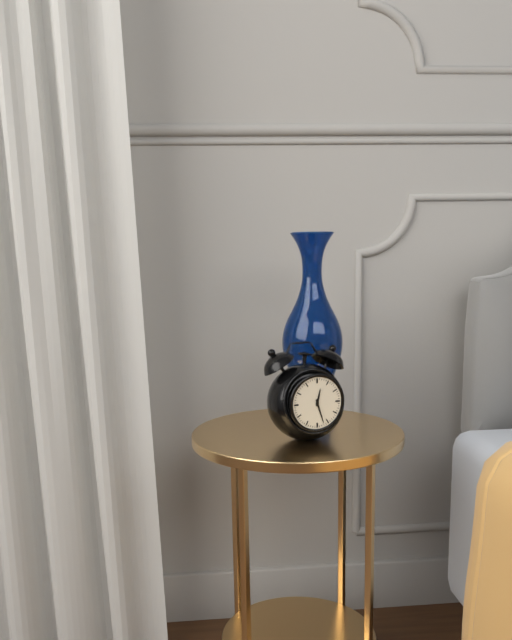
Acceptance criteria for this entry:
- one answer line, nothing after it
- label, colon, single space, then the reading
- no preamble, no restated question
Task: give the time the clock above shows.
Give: 12:27
